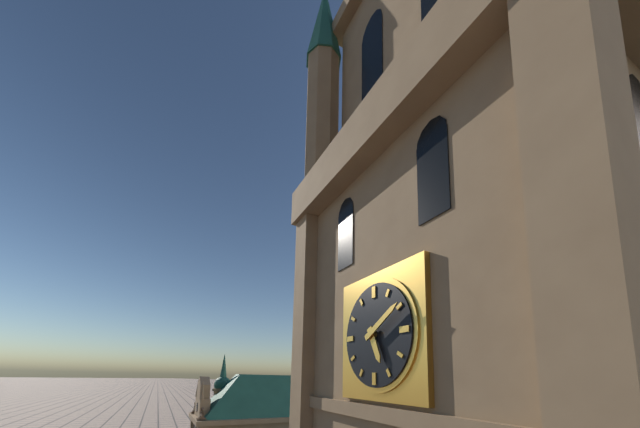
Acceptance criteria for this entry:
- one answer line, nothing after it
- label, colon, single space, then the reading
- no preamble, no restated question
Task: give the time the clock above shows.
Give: 5:10
